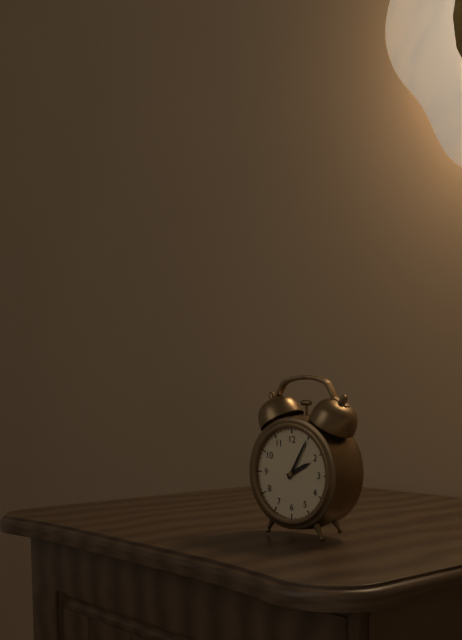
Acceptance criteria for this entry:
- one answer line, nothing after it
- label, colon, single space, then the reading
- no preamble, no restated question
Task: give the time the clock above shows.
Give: 2:05
